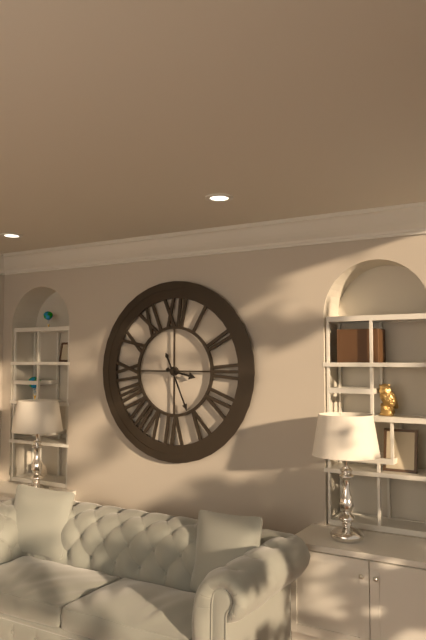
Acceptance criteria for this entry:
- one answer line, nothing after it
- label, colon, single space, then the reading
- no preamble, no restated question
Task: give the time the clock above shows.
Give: 3:26
